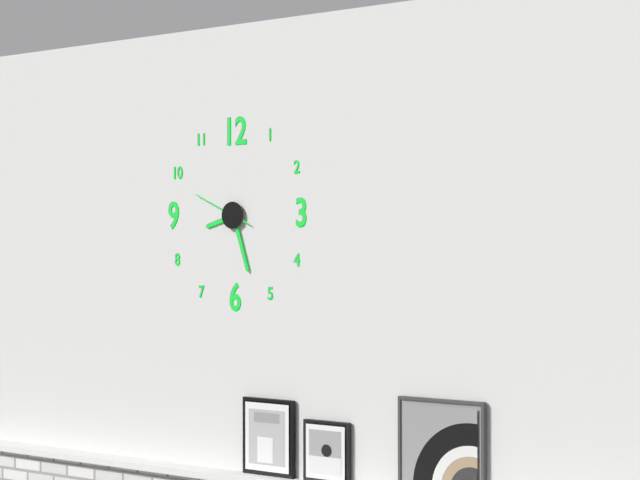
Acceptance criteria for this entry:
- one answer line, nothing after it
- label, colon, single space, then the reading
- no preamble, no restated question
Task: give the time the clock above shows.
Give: 8:27:49
